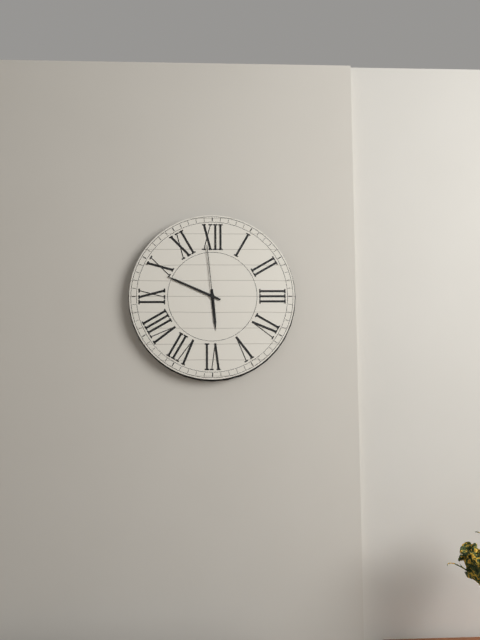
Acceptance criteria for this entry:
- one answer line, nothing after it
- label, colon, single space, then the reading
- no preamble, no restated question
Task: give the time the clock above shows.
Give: 5:49:59
